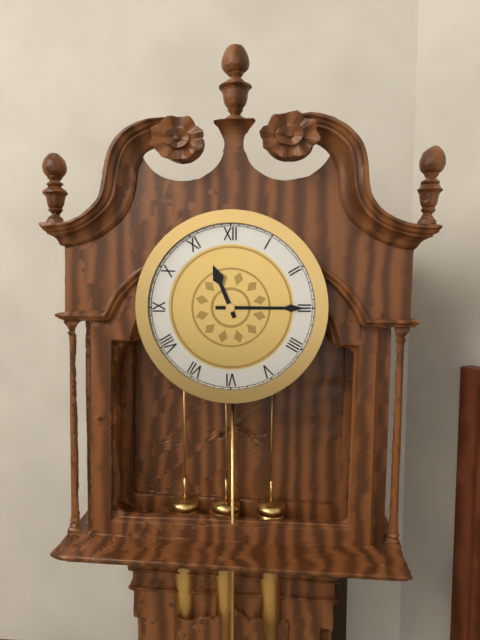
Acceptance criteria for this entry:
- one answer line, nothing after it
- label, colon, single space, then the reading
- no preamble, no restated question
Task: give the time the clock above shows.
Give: 11:15
